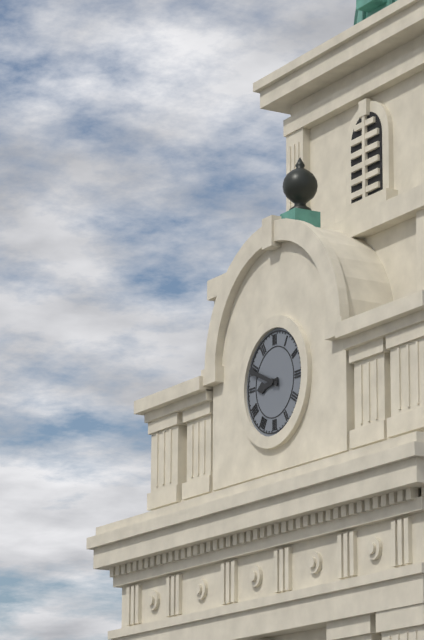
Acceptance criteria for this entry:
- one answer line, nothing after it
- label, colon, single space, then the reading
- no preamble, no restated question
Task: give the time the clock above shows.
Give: 8:49
